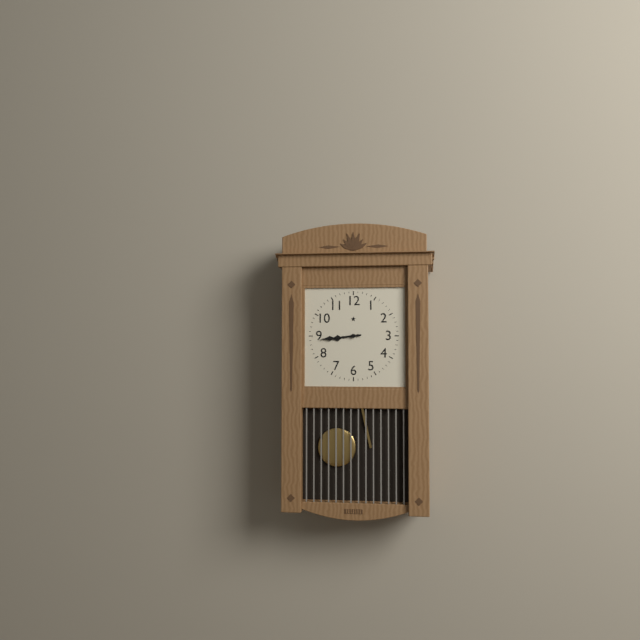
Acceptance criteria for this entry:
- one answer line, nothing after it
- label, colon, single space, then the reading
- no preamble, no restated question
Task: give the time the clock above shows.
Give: 8:44
